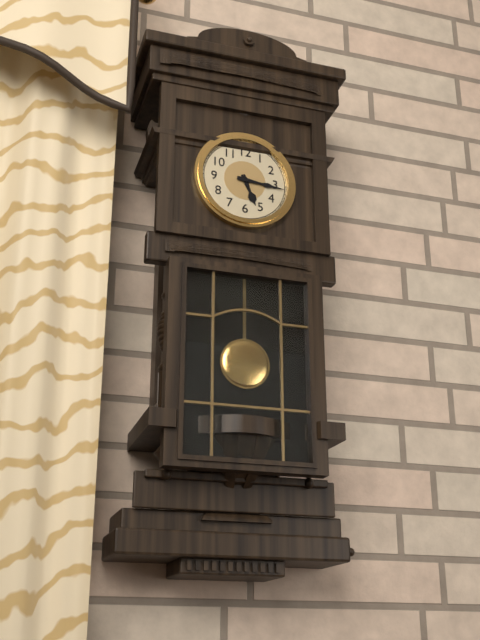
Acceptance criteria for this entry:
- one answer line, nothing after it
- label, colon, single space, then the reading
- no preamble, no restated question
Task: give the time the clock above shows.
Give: 5:16
